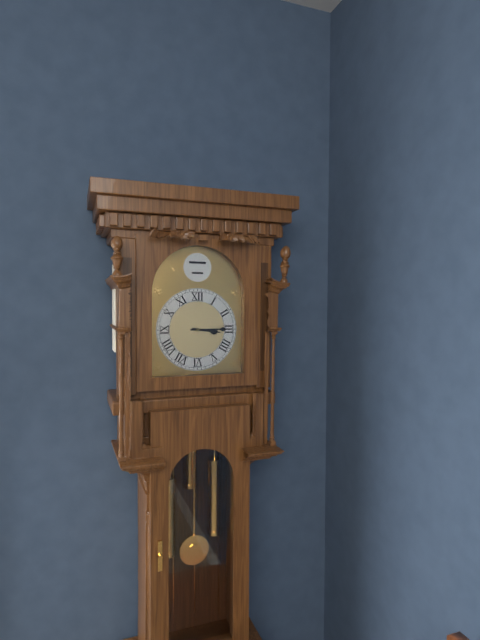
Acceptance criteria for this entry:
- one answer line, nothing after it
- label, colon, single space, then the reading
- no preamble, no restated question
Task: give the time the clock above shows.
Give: 3:15
